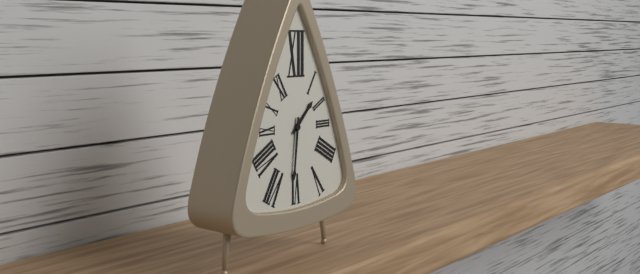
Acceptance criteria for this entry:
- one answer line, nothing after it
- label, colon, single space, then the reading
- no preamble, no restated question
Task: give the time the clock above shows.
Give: 1:31
